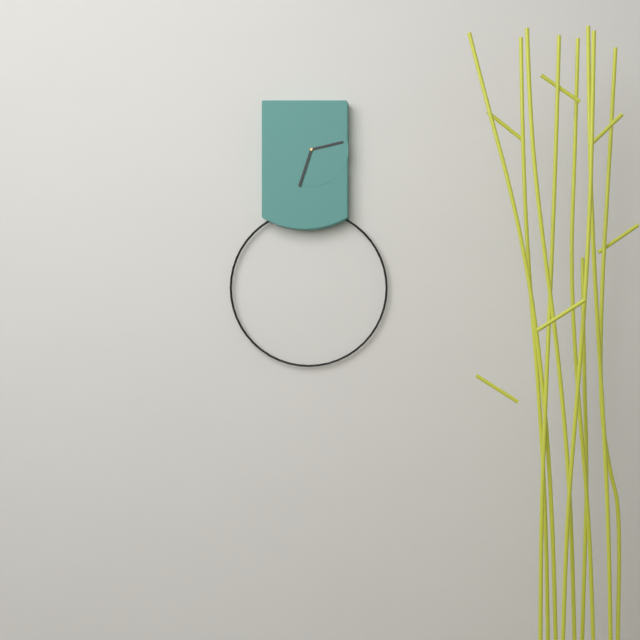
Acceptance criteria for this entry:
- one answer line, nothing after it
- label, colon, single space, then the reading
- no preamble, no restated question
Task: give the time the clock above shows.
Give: 2:33
